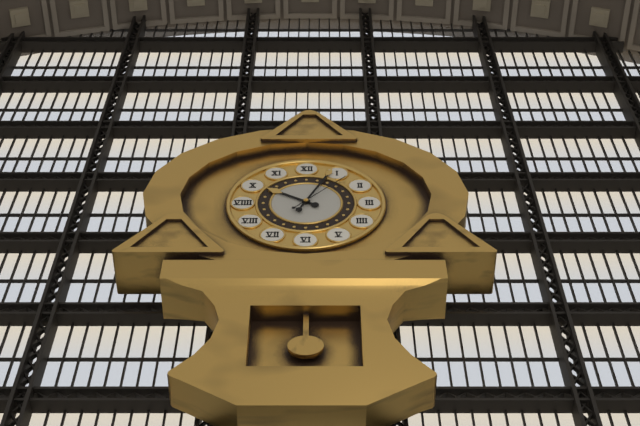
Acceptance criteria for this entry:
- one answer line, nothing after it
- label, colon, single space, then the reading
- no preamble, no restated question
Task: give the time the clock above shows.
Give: 10:04:07
